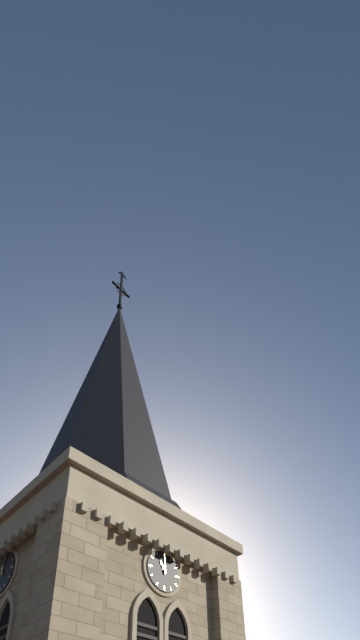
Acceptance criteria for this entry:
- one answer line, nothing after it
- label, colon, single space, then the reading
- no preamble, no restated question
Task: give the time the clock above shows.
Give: 11:00
